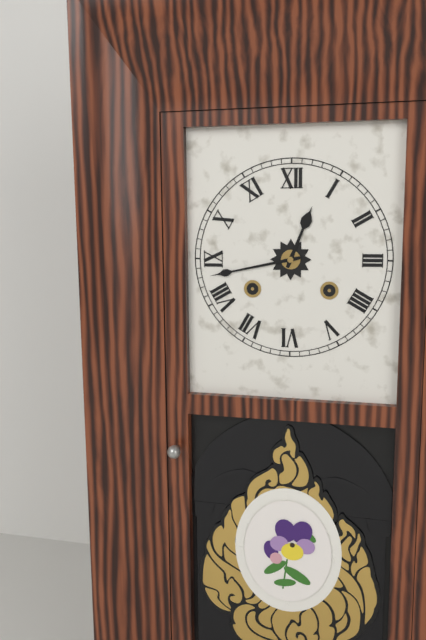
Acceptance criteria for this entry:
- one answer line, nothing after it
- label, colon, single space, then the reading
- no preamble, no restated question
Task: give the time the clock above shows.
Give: 12:43
